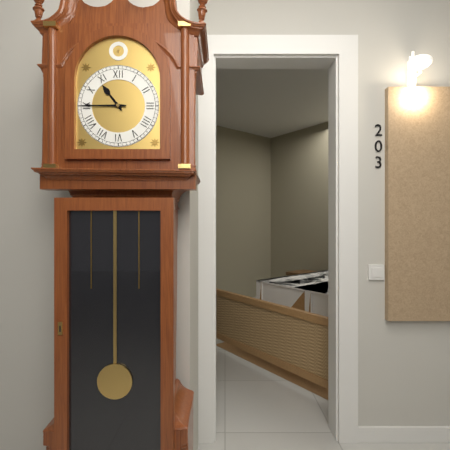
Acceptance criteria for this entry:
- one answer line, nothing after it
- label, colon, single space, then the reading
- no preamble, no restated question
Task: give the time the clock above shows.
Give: 10:45
